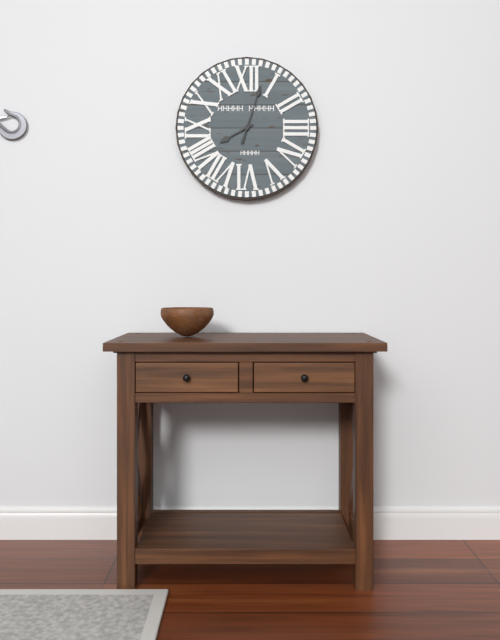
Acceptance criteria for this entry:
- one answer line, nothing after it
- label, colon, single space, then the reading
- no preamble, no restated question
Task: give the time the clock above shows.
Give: 8:03
